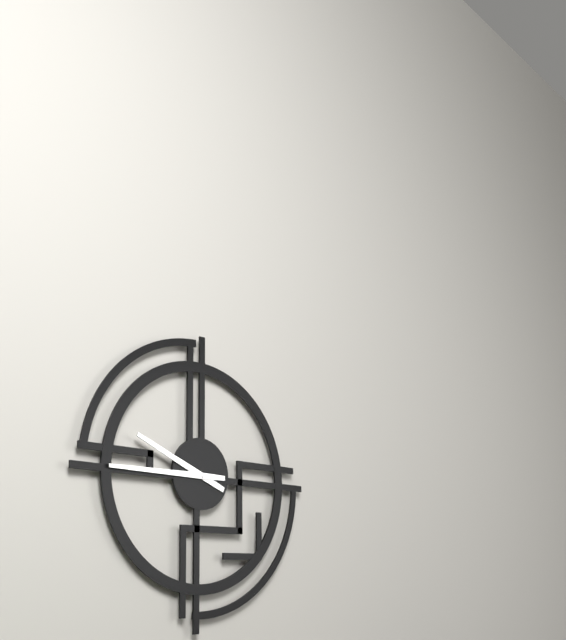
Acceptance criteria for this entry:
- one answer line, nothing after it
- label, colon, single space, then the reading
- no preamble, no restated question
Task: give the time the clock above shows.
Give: 9:45
